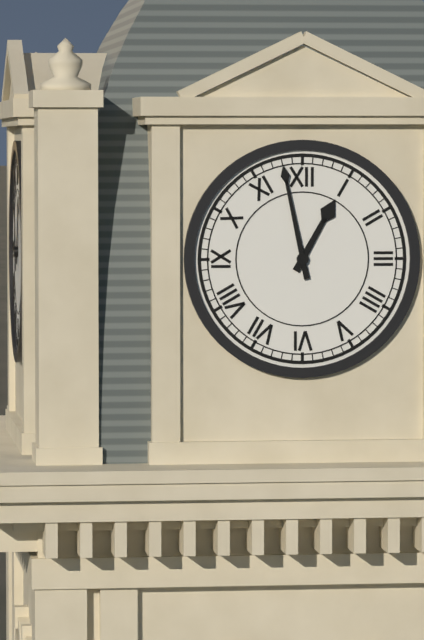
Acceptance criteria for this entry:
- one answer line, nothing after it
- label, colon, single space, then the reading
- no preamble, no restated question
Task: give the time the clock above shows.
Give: 12:58
